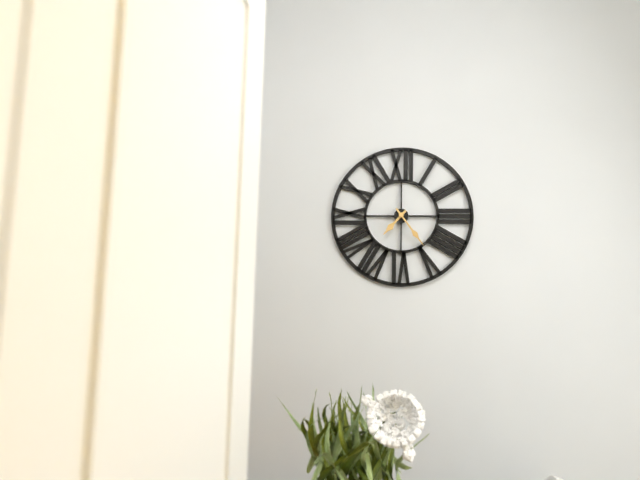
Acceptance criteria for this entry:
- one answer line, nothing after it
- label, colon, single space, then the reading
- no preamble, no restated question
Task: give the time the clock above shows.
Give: 7:24
